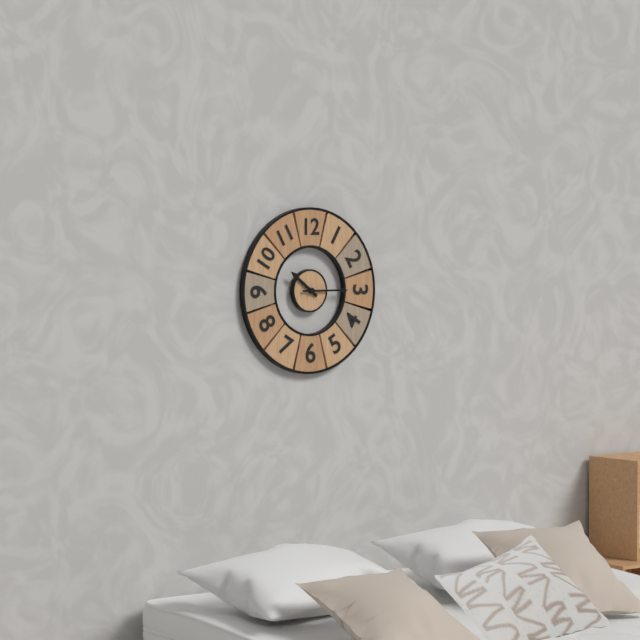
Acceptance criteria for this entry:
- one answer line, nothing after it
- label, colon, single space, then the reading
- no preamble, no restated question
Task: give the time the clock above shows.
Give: 10:15
